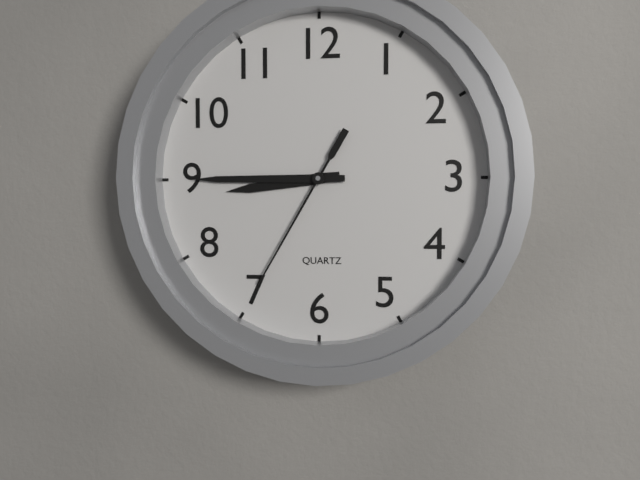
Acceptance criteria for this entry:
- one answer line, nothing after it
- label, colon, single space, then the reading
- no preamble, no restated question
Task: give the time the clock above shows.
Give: 8:45:35
